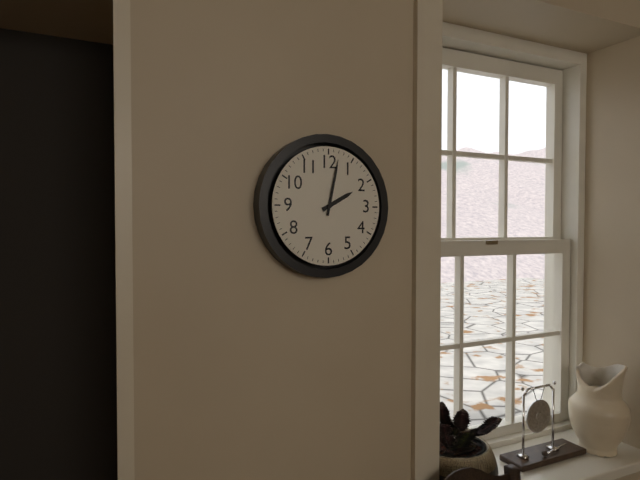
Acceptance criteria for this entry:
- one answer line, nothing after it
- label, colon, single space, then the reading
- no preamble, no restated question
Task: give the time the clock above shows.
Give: 2:02
